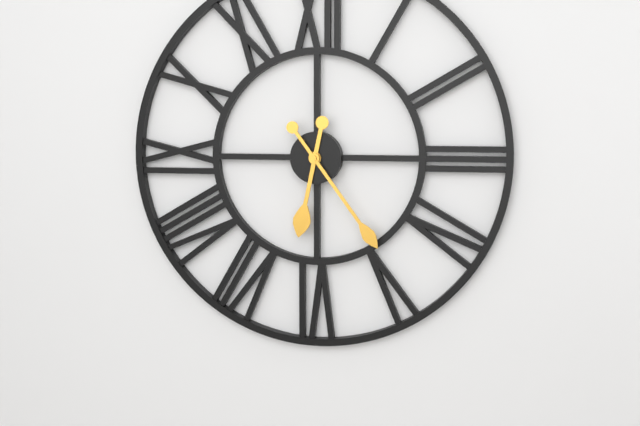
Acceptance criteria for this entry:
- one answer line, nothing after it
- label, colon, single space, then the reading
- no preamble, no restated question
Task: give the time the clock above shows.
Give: 6:24
